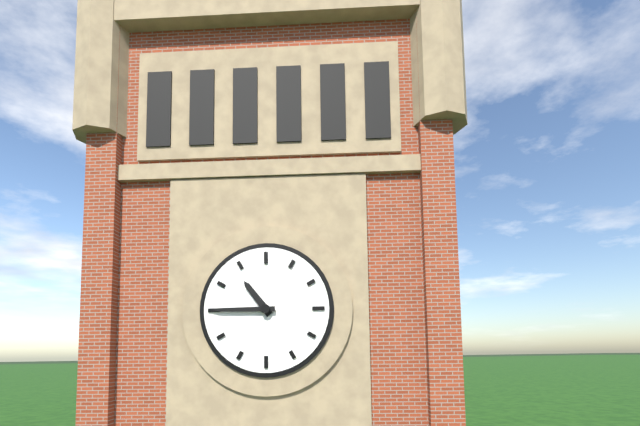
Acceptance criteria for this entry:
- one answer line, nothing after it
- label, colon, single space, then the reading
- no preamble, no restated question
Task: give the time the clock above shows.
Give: 10:45
